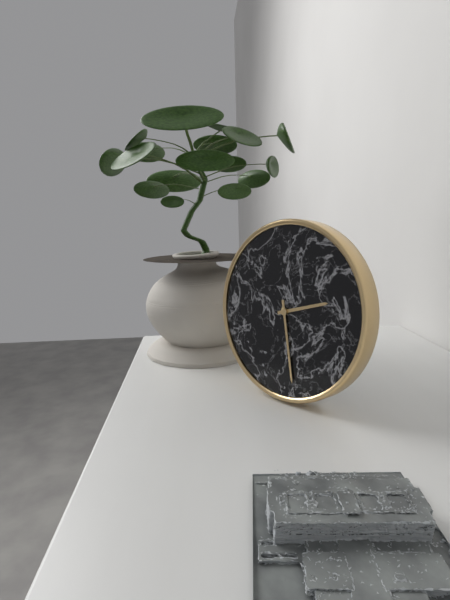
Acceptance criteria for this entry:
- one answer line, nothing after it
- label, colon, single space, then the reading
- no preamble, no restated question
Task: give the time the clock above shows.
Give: 2:28
